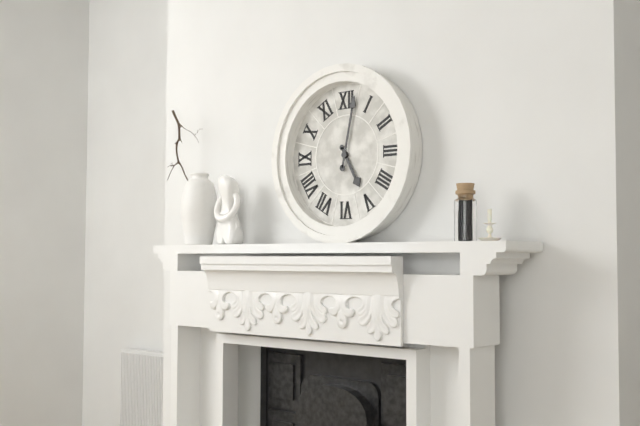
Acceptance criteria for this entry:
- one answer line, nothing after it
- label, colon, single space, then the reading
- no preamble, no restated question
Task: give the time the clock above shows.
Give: 5:02
